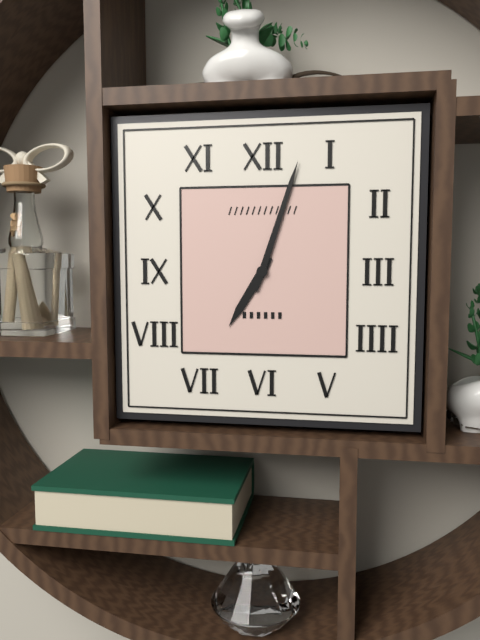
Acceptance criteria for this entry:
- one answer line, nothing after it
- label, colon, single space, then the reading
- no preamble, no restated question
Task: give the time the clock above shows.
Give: 7:03
